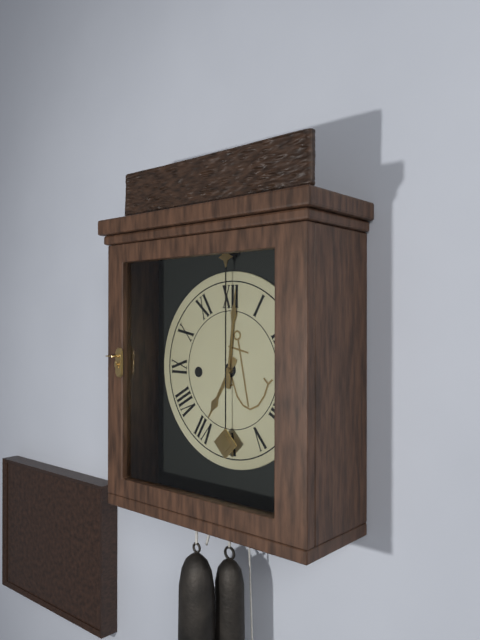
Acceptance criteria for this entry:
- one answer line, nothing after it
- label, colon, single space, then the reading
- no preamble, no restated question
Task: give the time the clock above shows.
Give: 7:01
